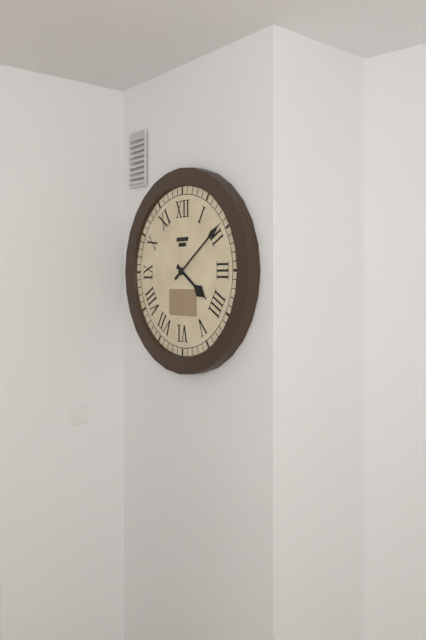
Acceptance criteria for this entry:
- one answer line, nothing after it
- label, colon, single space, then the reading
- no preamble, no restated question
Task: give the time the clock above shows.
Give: 4:09
